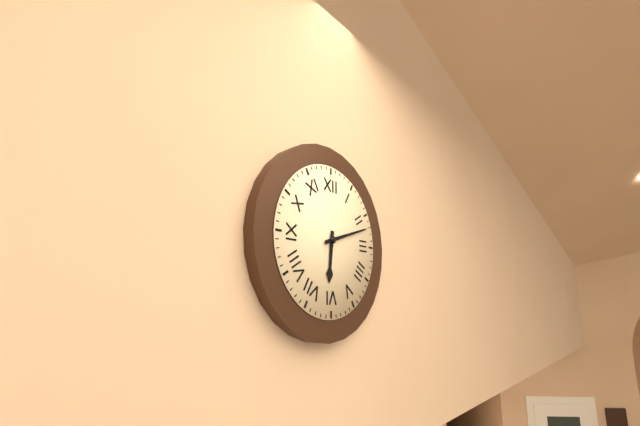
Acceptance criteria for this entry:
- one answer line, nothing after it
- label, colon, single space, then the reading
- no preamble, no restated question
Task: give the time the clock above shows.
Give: 6:12
